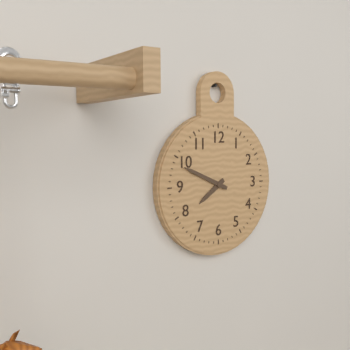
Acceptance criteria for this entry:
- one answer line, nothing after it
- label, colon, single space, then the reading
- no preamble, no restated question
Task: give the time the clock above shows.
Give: 7:49
